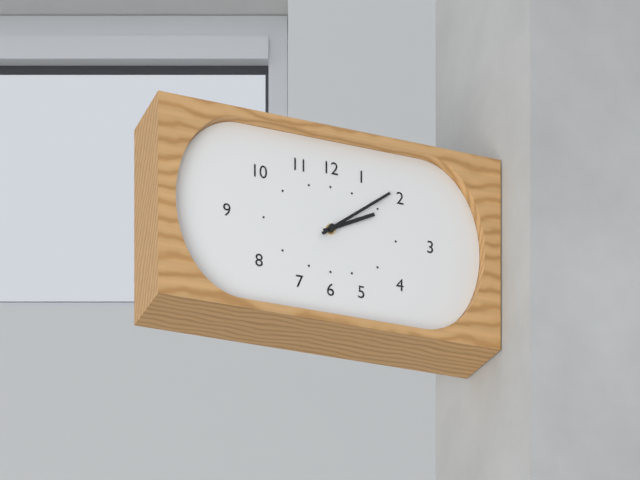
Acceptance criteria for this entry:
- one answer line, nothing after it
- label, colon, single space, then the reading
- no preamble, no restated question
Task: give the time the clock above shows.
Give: 2:09
